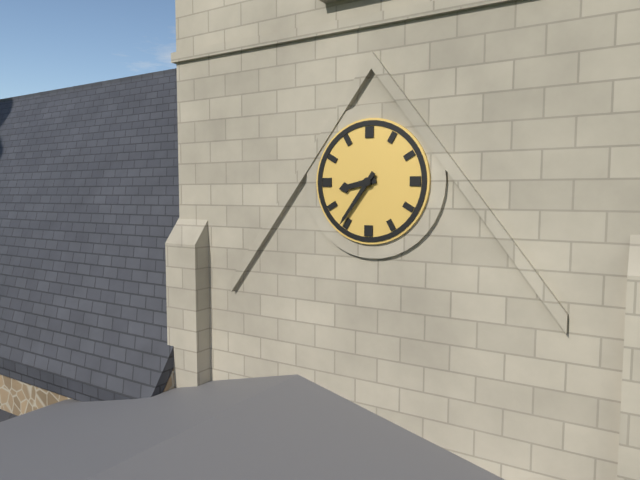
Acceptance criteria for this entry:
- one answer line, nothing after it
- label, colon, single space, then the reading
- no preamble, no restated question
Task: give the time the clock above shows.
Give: 8:36
